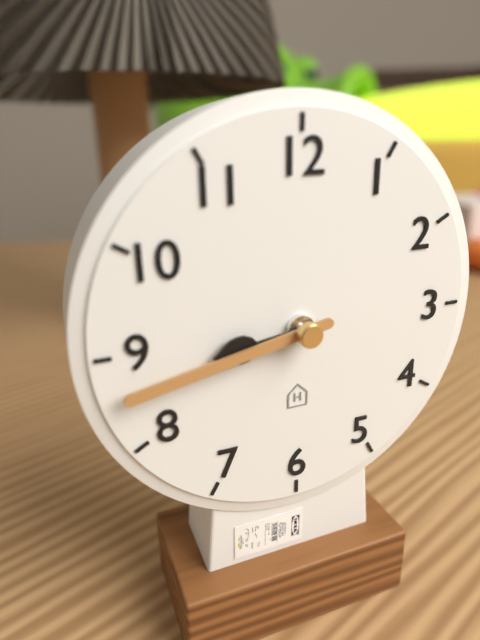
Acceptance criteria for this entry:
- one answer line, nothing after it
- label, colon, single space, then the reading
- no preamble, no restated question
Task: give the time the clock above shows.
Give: 8:43
